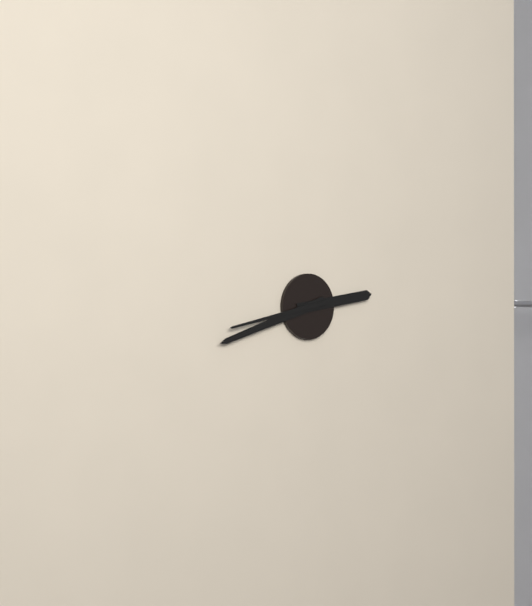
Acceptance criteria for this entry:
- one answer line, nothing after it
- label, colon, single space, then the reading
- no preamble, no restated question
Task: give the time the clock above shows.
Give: 2:42:43
